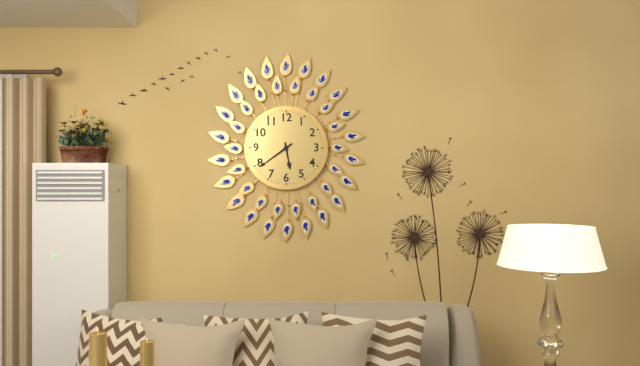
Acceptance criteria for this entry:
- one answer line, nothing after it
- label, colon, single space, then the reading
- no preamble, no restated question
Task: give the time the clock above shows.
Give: 5:39
